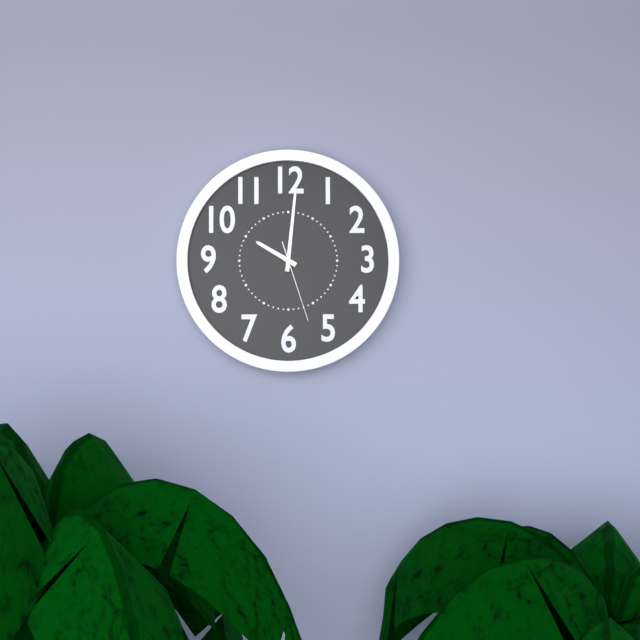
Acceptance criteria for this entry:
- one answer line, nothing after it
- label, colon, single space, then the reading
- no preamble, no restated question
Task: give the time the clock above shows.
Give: 10:01:27
